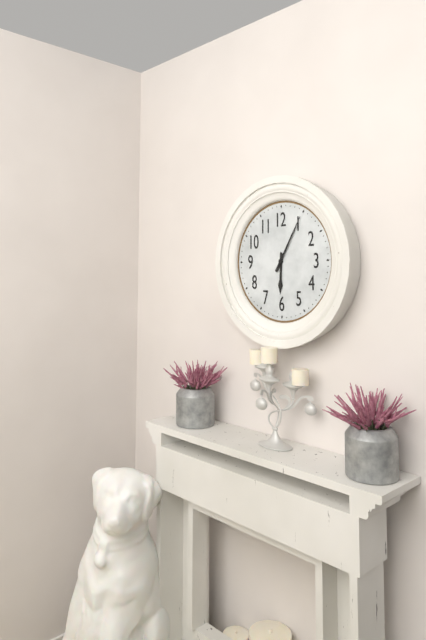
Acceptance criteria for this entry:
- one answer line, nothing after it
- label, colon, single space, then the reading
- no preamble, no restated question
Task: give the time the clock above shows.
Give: 6:05
